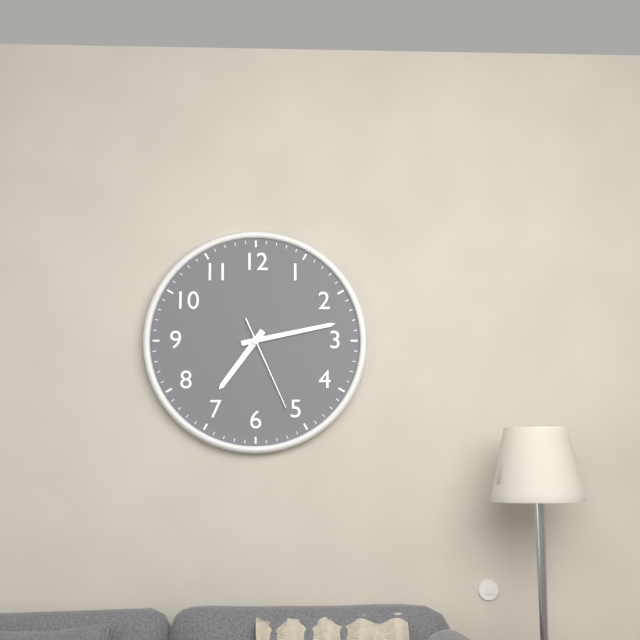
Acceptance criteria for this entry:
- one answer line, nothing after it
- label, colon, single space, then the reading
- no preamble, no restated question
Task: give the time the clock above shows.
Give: 7:13:26
